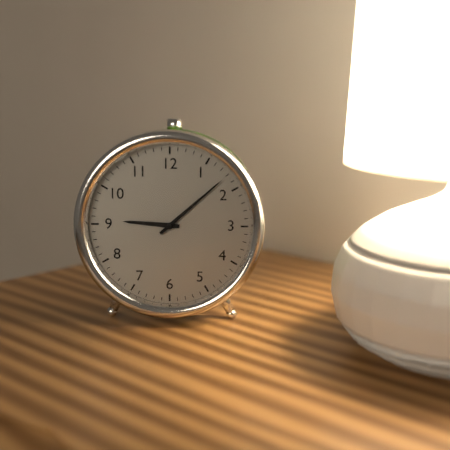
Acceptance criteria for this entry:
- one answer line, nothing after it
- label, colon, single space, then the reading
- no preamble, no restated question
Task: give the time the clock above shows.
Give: 9:08
